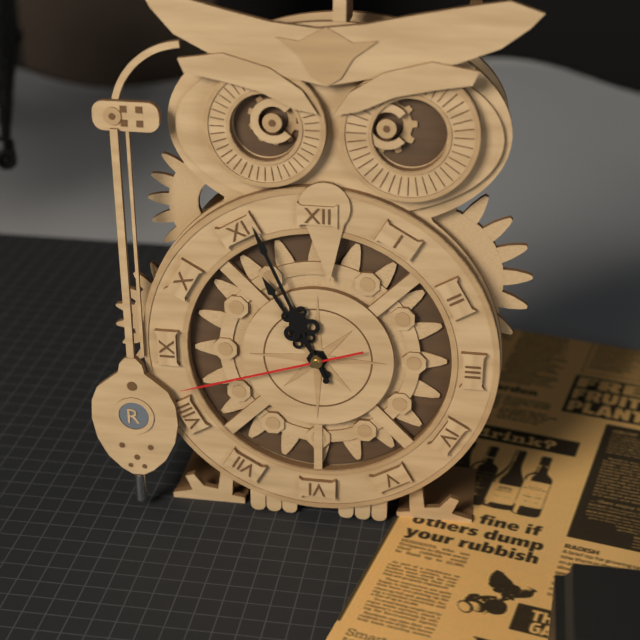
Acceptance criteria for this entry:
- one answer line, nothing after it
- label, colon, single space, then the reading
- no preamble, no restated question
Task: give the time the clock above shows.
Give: 10:56:42
